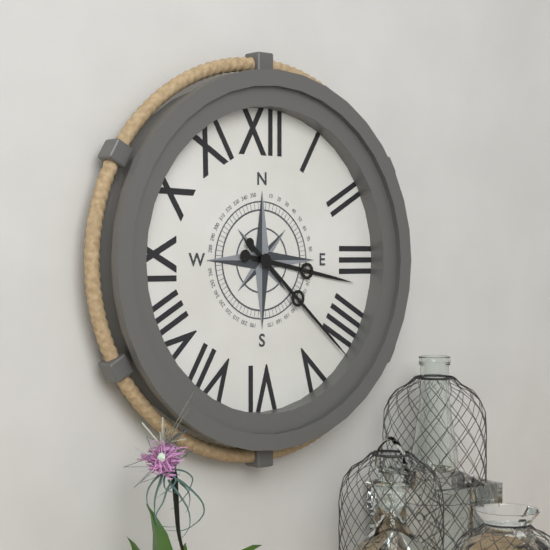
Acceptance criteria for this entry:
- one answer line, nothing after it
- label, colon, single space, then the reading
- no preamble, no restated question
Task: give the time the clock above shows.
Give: 3:22
